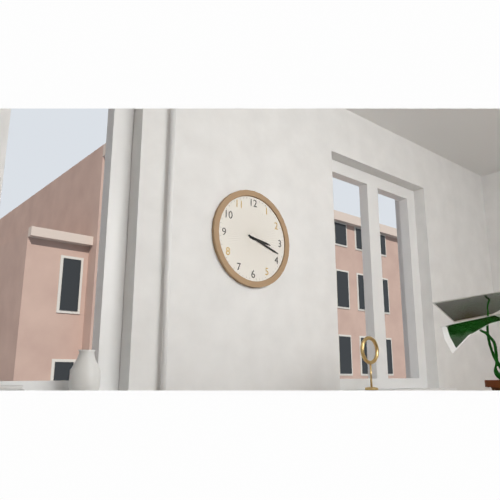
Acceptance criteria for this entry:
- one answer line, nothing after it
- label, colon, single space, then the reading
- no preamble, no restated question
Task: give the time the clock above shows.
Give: 3:18
